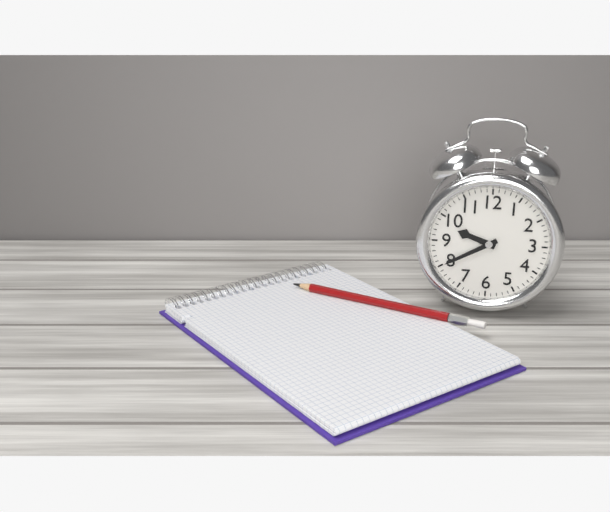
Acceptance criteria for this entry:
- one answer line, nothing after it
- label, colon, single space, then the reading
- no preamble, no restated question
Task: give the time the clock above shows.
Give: 9:40
